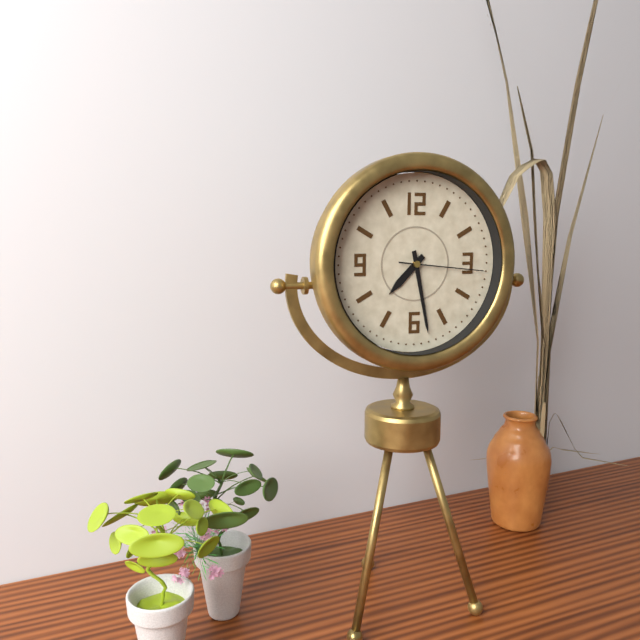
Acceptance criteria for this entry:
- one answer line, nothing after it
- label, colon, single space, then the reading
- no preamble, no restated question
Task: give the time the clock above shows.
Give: 7:28:16
